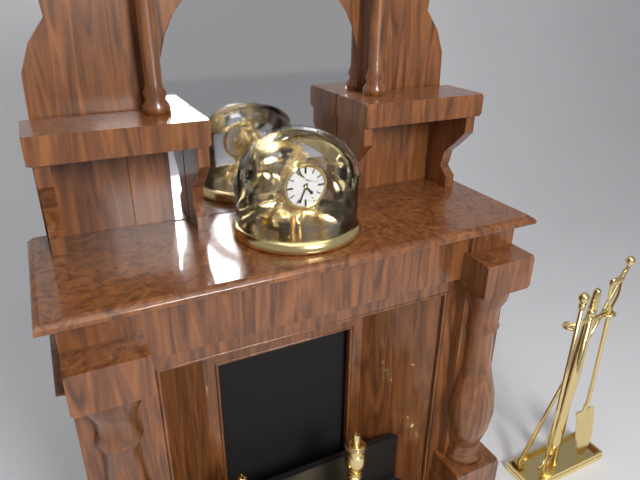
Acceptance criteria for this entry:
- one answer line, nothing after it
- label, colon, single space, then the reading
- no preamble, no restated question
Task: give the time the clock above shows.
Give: 4:34
